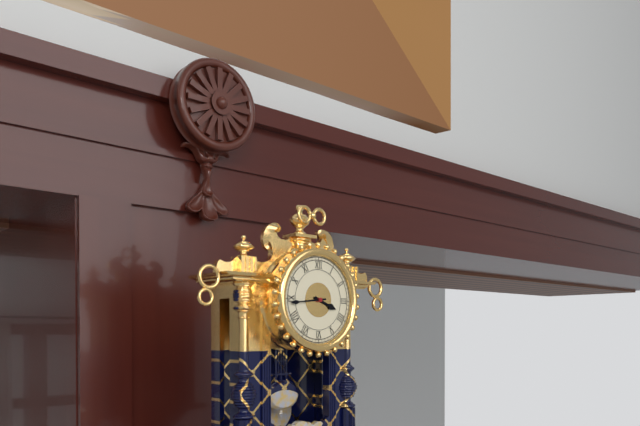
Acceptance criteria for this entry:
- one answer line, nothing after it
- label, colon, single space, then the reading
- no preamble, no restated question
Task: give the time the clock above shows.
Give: 3:44
